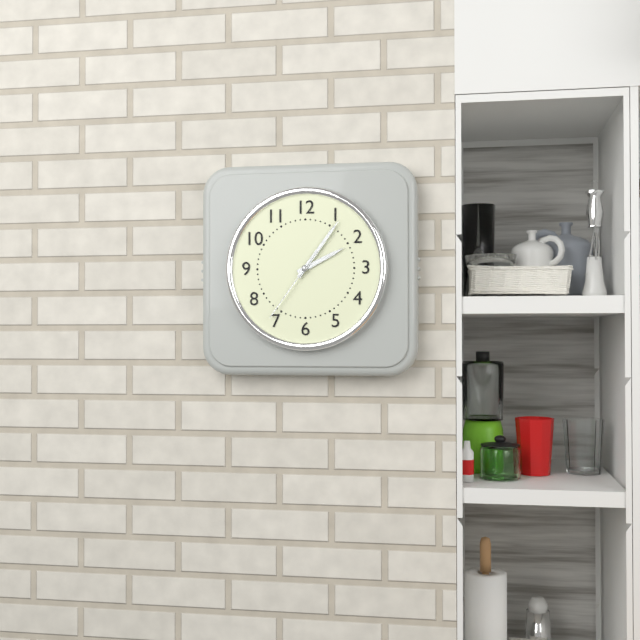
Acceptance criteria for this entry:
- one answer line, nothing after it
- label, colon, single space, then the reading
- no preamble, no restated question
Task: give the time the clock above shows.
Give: 2:06:36
